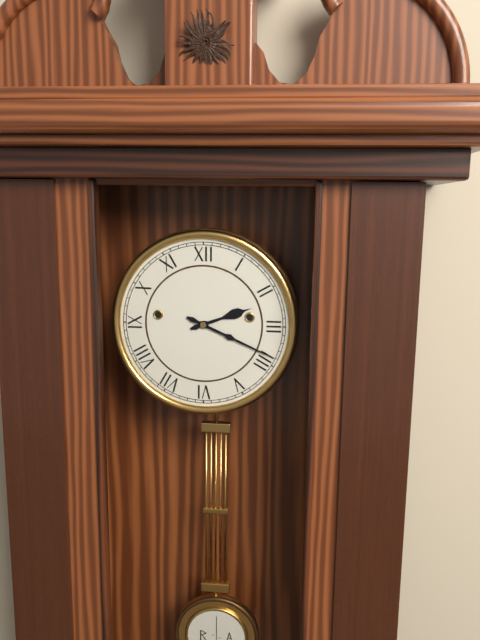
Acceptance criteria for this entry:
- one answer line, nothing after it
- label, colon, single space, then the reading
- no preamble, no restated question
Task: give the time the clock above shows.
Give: 2:19
